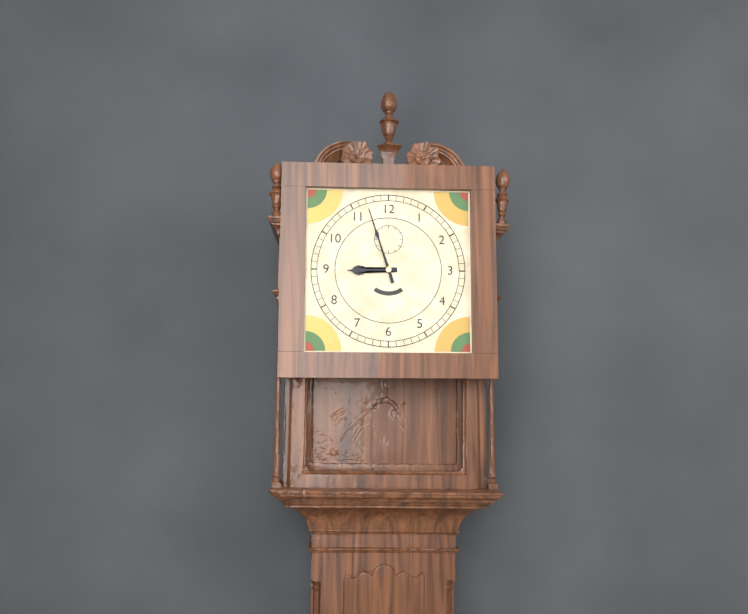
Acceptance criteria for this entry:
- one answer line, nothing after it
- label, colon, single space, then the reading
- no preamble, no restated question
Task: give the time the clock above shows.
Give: 8:57
